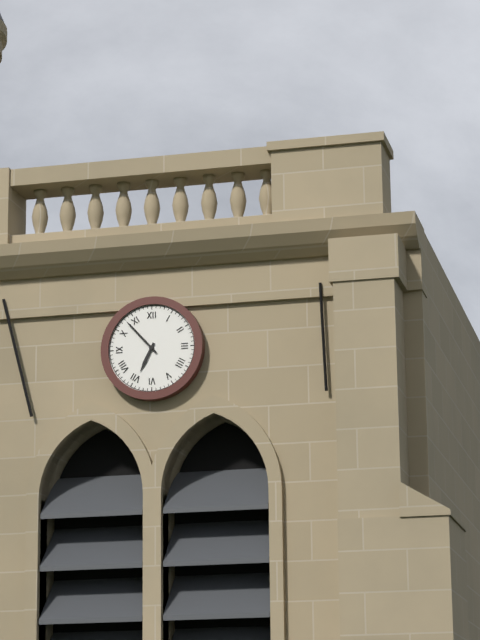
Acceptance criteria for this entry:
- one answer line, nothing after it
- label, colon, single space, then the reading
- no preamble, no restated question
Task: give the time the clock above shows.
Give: 6:53
